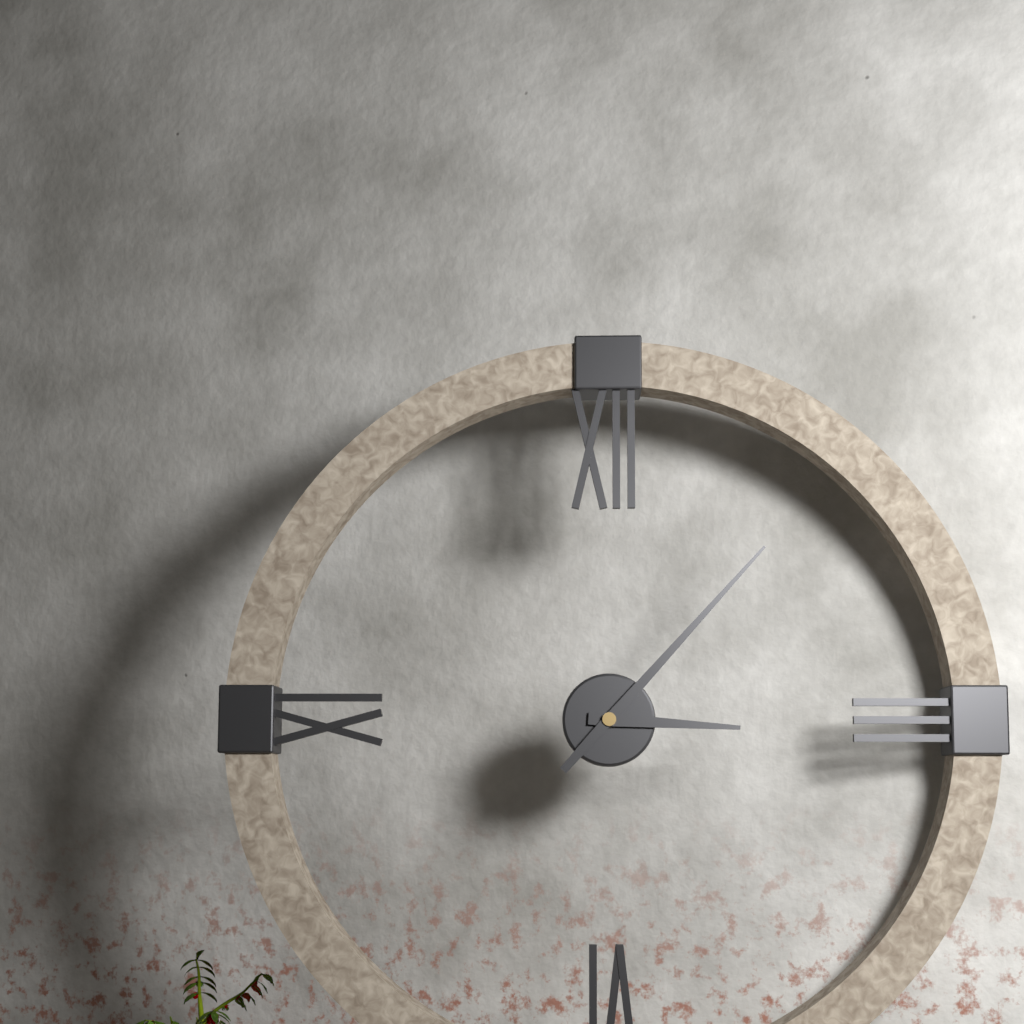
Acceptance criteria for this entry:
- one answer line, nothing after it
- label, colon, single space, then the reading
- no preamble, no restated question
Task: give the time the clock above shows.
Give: 3:07
